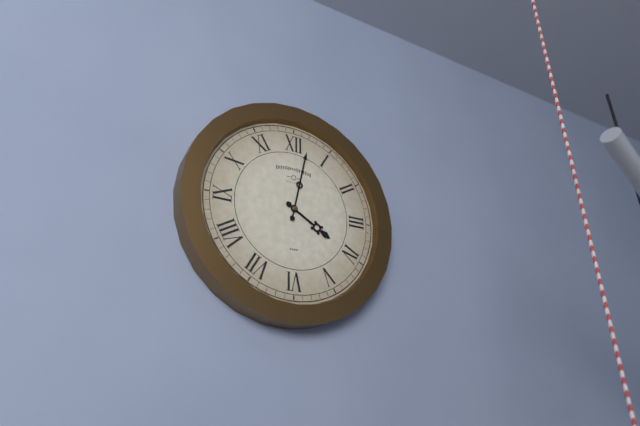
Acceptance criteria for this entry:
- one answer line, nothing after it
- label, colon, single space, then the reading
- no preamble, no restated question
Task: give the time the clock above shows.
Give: 4:02
